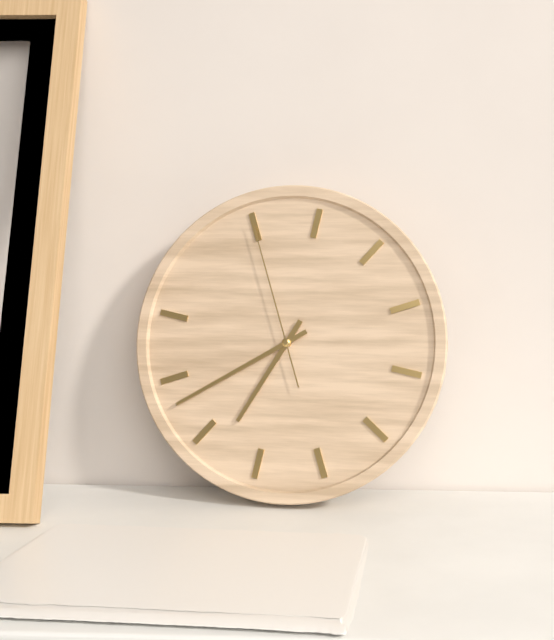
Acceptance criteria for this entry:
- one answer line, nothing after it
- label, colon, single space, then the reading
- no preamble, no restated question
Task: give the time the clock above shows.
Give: 6:38:55
